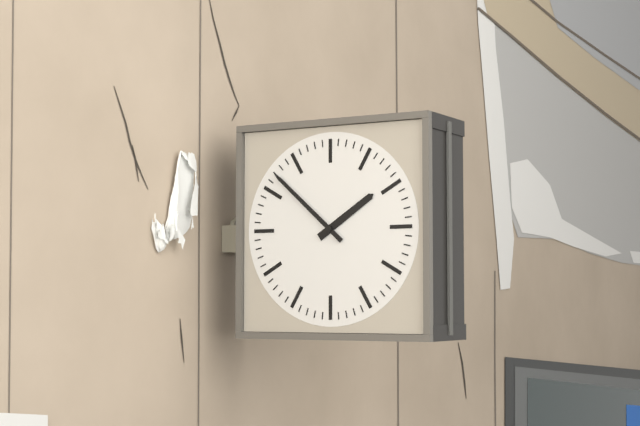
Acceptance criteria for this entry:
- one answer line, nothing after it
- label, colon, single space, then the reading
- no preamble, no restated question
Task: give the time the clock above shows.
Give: 1:52
